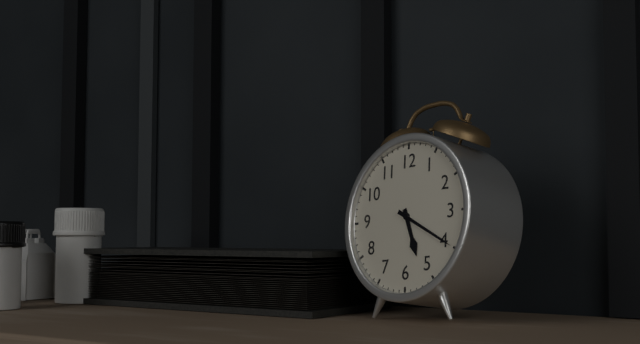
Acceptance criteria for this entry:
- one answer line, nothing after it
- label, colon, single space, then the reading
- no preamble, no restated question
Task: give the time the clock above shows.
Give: 5:20
